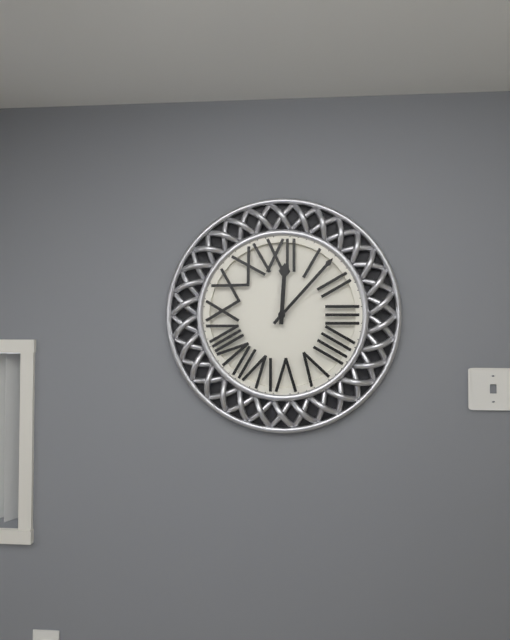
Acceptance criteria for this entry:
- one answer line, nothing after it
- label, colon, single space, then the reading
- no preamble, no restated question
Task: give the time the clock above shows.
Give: 12:07
